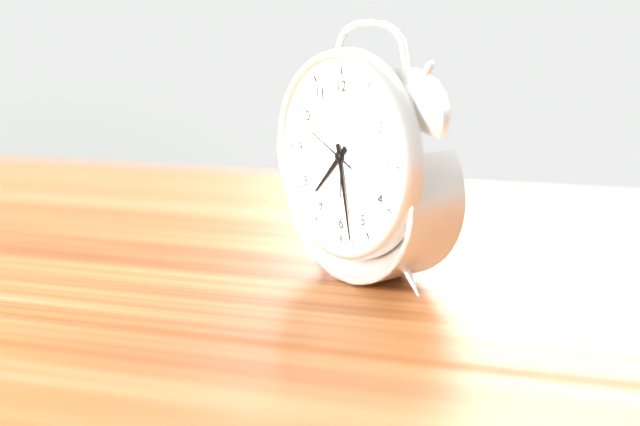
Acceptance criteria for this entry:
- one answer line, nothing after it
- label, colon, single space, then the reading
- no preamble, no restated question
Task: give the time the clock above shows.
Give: 7:28:49
